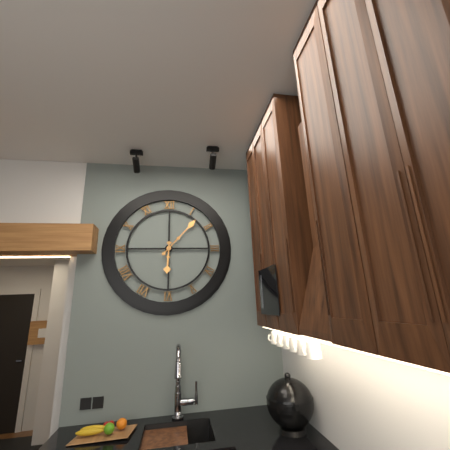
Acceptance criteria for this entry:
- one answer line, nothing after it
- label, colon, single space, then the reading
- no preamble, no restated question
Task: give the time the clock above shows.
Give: 6:07
